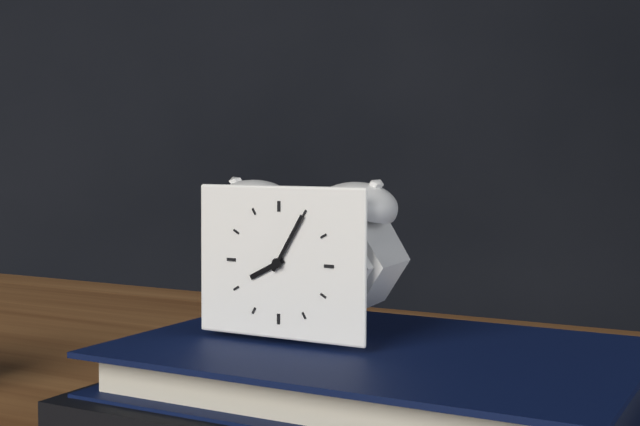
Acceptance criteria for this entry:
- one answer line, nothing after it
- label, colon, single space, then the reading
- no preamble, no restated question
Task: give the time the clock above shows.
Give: 8:05
